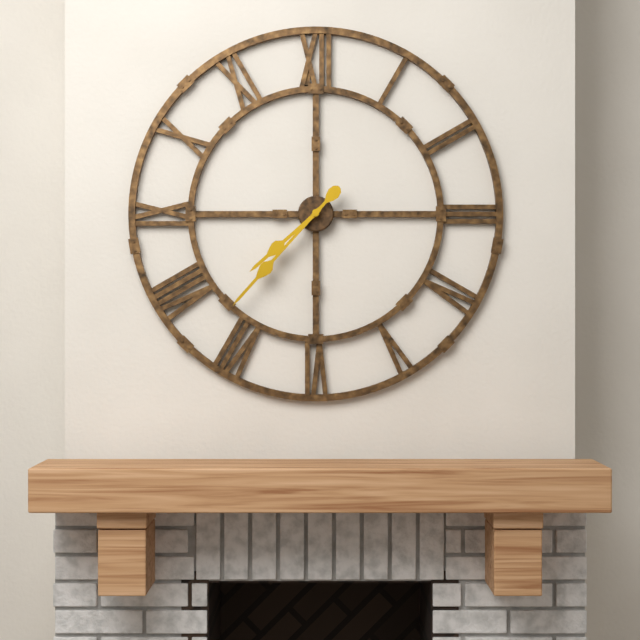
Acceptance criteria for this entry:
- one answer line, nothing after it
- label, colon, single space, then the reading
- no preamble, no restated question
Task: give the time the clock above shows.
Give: 7:37
